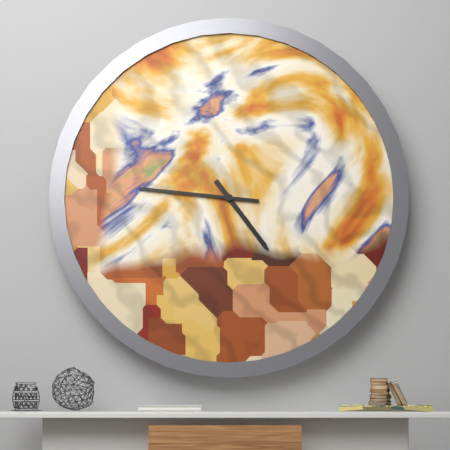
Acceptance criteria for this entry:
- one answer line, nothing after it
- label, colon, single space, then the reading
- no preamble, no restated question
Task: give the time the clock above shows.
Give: 4:46
